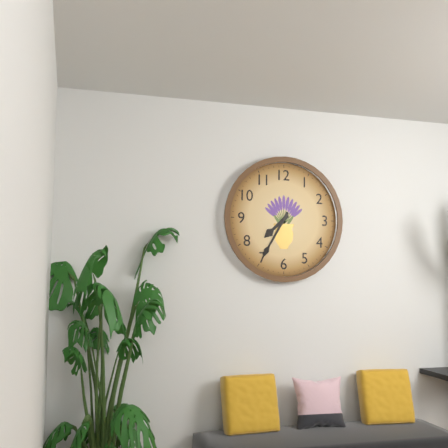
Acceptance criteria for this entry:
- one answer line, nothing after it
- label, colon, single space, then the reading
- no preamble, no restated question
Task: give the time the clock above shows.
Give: 7:35
